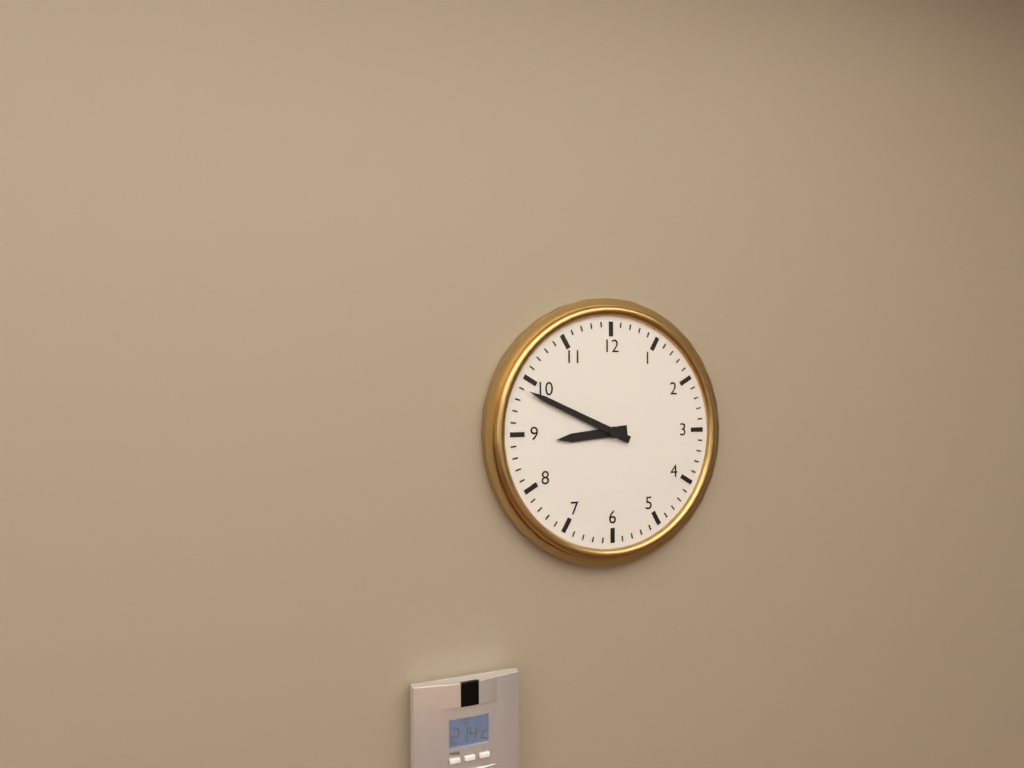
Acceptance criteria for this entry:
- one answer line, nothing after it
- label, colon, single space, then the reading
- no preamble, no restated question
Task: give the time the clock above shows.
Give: 8:49
